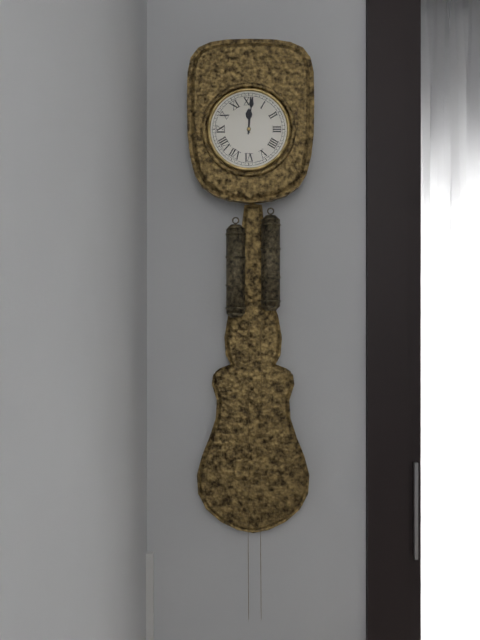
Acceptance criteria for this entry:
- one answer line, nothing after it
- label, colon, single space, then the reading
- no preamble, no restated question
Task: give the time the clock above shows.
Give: 12:01
